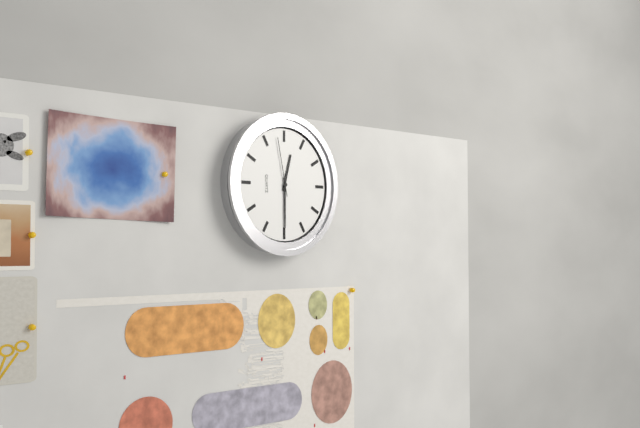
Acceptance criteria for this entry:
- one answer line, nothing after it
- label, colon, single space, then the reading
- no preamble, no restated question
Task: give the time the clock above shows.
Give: 12:30:58
